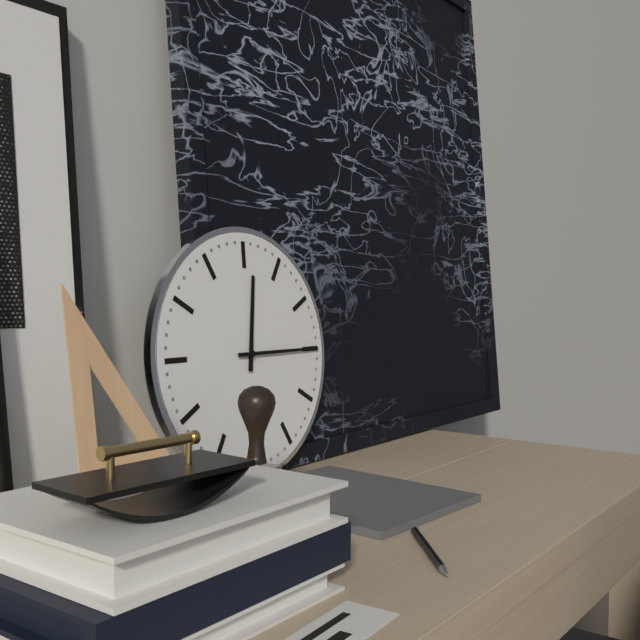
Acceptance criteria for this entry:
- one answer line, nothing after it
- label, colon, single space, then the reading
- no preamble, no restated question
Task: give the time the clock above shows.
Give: 12:15
